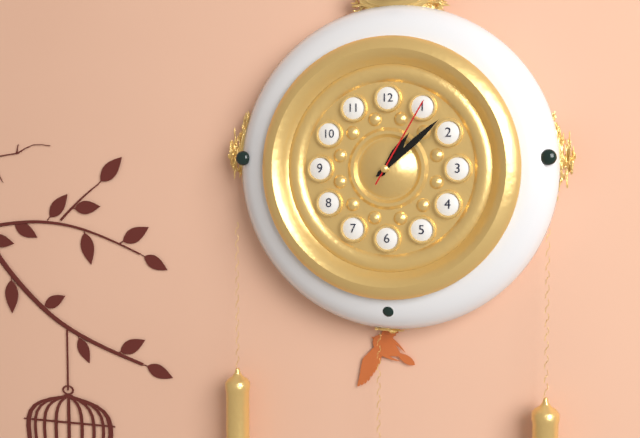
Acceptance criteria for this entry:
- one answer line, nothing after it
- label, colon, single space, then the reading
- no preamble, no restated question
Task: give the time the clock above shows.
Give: 1:08:05
